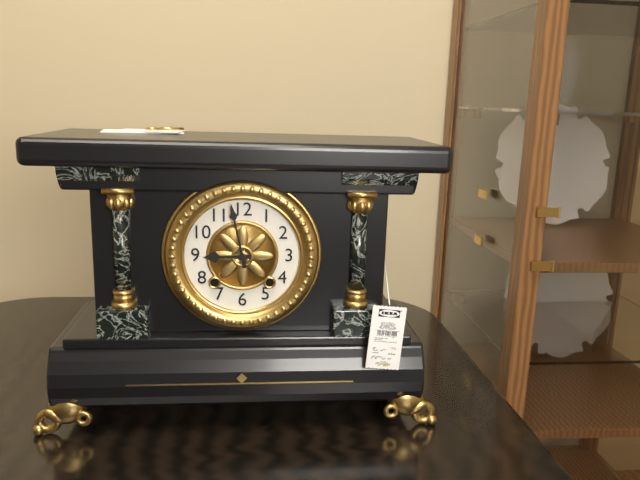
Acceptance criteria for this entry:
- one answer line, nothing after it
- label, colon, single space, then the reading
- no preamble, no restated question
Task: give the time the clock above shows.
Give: 8:58
